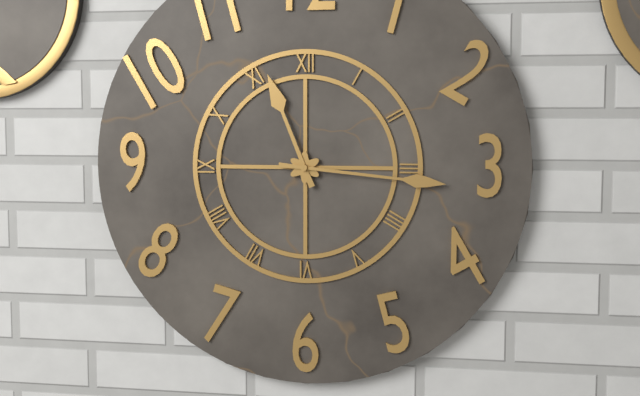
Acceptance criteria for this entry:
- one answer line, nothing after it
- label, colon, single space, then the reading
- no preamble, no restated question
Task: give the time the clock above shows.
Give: 11:16
